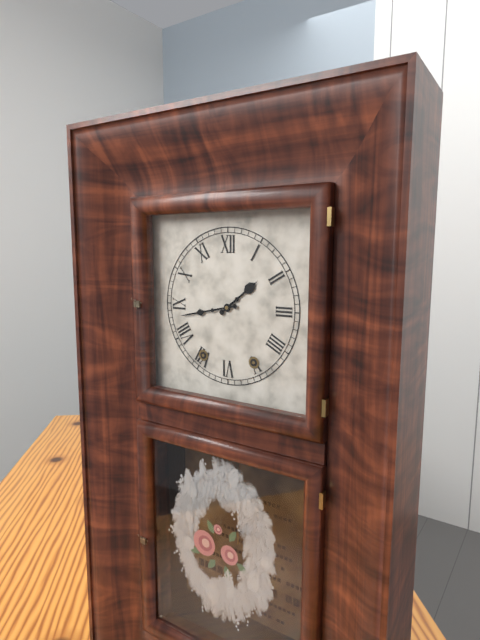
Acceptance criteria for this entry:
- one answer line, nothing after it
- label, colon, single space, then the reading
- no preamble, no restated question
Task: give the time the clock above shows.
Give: 1:43
